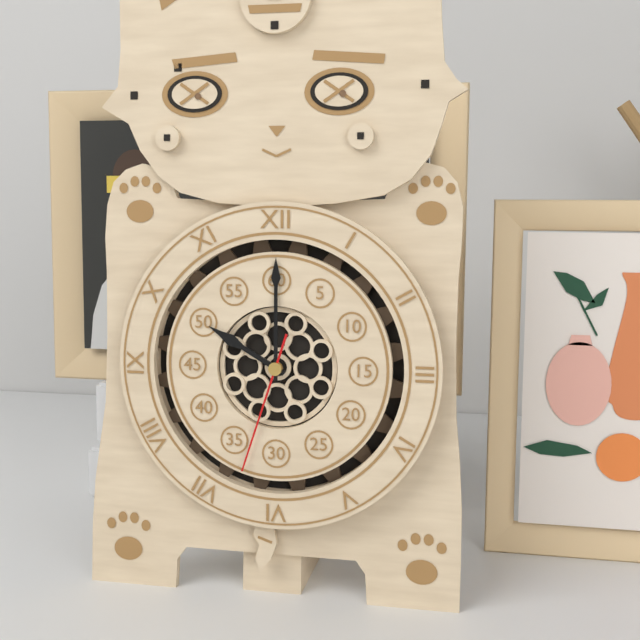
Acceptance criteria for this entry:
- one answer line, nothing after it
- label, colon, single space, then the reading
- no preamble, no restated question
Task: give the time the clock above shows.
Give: 10:00:33
